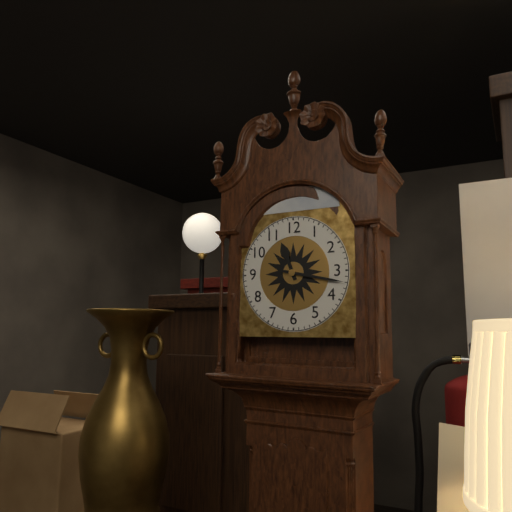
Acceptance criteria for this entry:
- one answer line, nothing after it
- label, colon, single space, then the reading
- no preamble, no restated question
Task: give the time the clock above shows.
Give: 11:17
